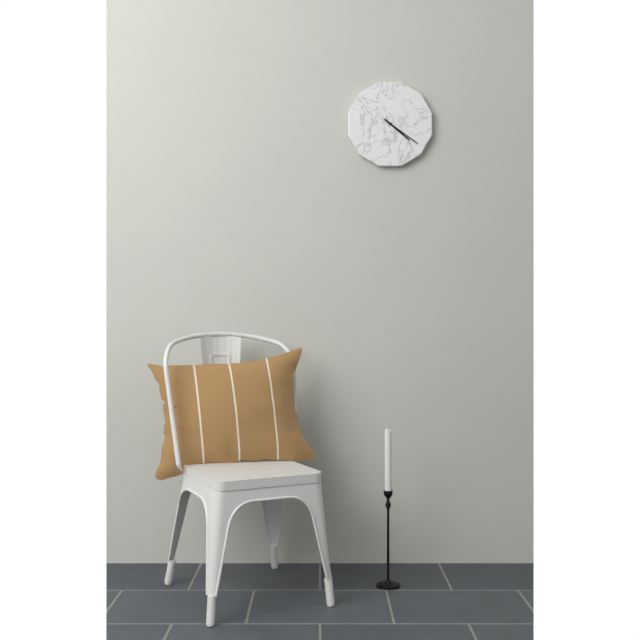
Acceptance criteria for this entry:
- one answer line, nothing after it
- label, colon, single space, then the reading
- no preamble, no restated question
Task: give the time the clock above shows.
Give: 4:21
